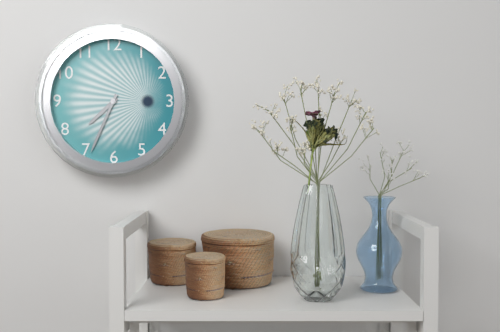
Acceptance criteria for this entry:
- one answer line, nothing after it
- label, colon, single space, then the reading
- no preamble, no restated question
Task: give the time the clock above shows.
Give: 7:34
